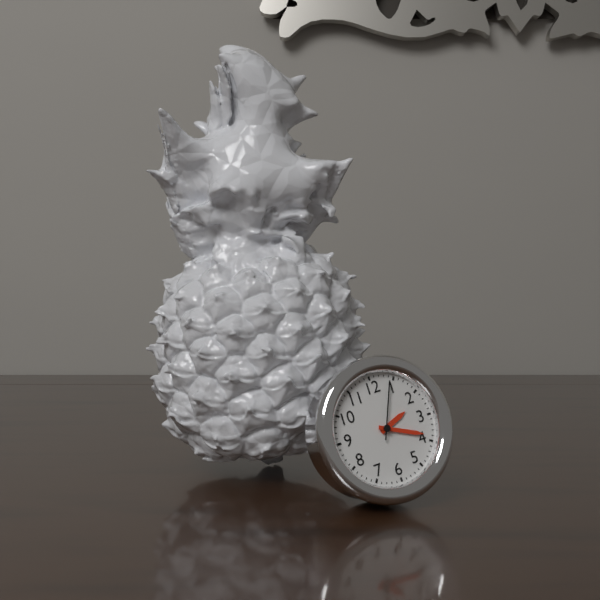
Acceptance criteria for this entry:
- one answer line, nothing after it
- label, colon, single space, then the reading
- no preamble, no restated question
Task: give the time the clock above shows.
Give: 2:19:04
